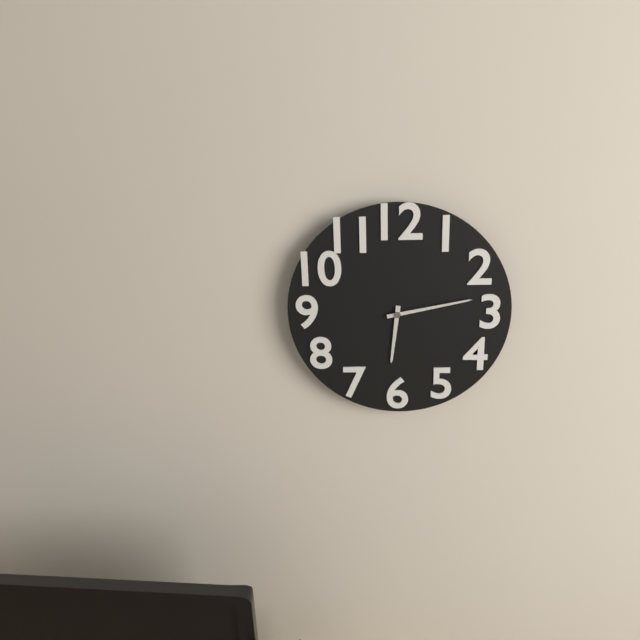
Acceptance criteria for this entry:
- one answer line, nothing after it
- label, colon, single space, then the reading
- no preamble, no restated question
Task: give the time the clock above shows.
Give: 6:13
